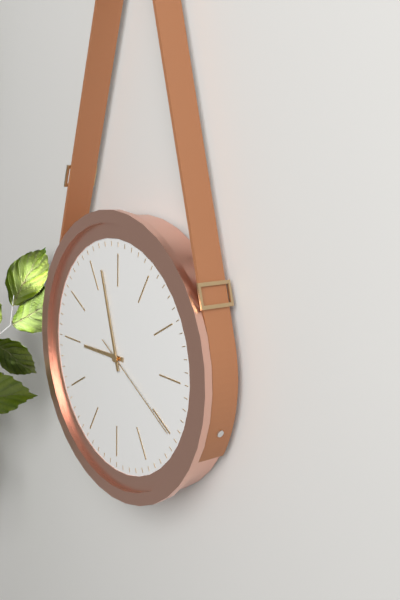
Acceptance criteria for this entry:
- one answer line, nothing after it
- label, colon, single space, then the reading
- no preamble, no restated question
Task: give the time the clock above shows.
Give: 8:57:20
